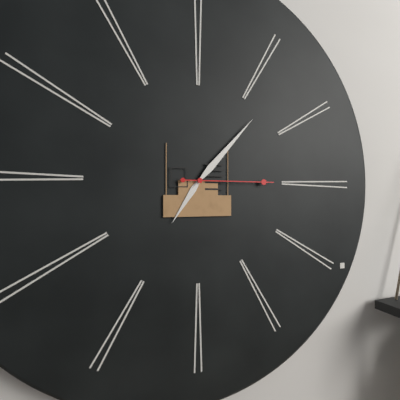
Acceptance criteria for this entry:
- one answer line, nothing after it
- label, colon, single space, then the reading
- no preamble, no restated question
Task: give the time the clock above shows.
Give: 7:07:15
